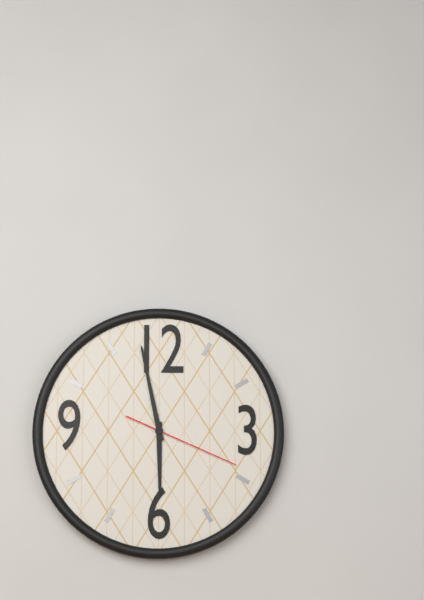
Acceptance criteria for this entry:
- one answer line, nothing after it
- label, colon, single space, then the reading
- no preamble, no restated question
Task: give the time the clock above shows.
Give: 5:58:19
